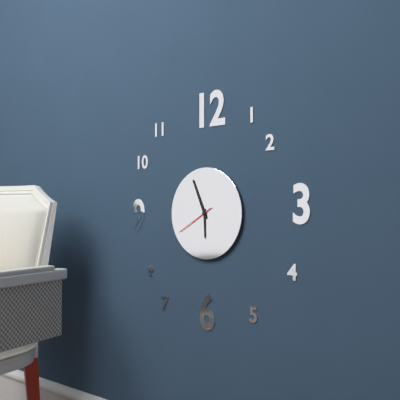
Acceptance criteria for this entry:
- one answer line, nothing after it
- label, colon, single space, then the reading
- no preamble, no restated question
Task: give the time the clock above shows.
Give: 5:56
